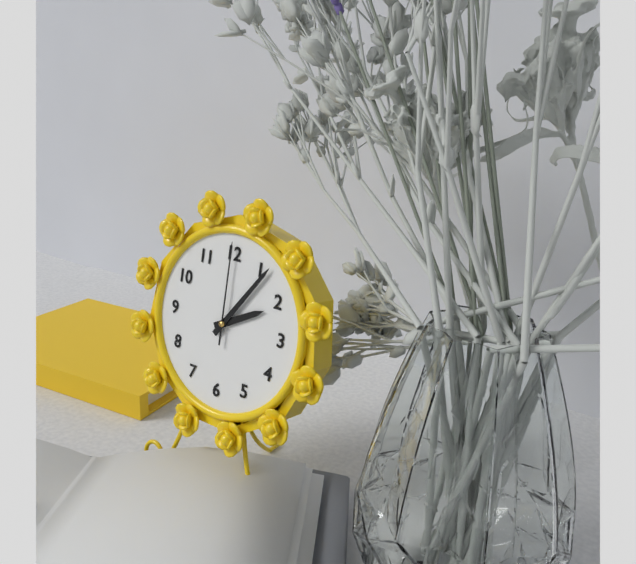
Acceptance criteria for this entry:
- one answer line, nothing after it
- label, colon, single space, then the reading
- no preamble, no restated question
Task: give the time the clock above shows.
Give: 2:06:00
